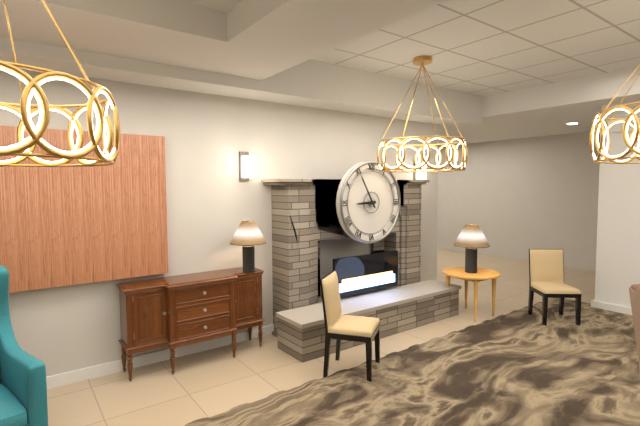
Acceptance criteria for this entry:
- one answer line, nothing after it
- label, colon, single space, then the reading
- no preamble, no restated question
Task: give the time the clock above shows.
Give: 8:55
